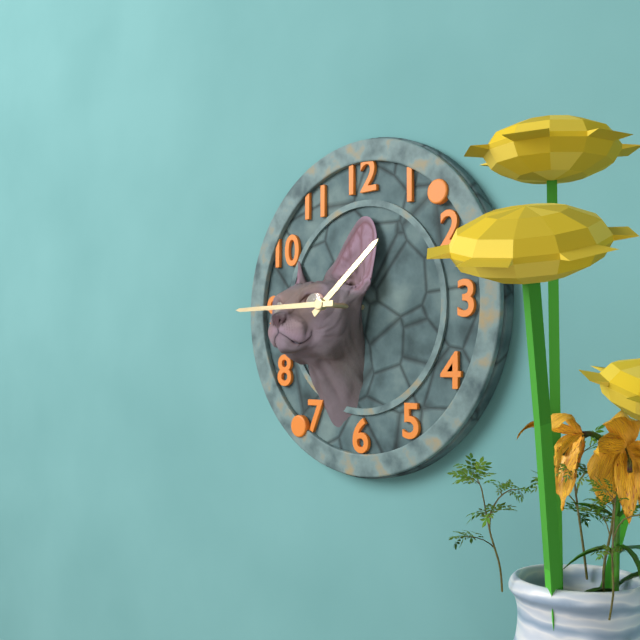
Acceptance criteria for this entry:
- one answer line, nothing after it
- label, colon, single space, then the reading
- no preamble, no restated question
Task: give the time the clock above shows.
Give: 1:45
